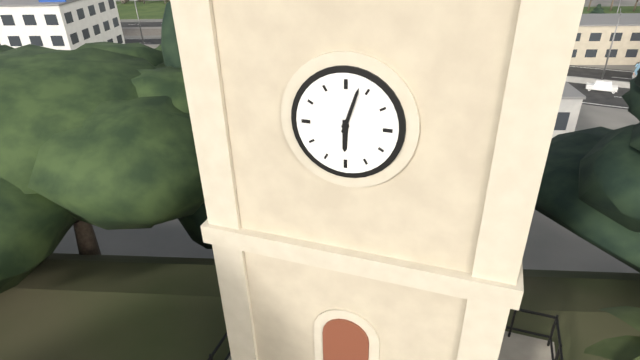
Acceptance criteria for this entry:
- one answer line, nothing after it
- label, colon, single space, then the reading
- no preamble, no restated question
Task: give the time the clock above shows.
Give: 6:03
